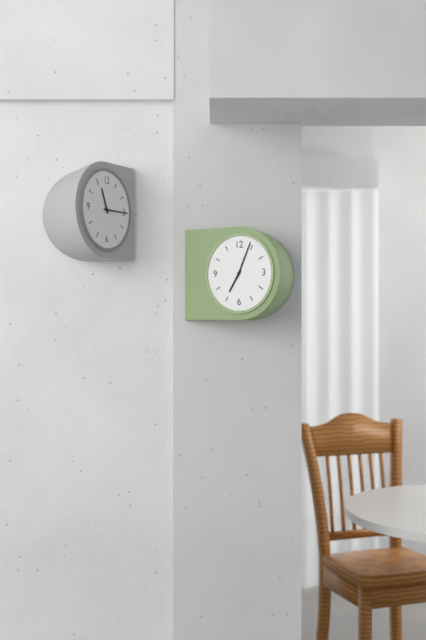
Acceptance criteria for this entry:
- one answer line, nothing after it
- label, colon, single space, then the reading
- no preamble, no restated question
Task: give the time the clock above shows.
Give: 7:04
